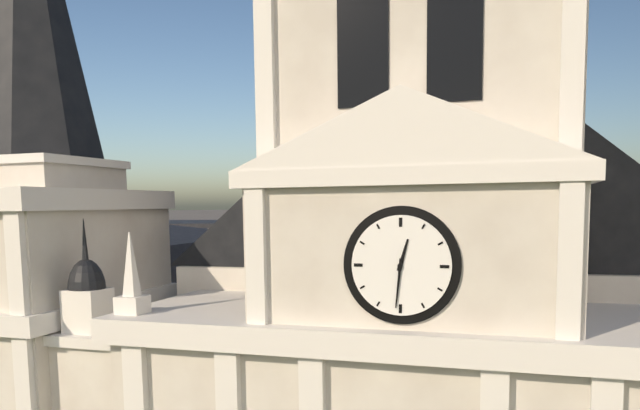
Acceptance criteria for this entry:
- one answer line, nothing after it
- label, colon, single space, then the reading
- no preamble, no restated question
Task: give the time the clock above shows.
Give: 12:31
